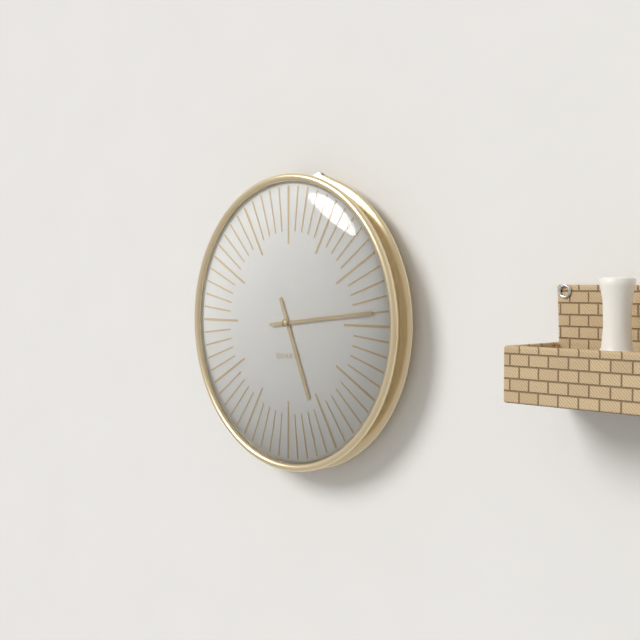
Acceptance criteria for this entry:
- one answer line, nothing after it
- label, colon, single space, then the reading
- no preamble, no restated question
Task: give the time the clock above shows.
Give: 5:14
